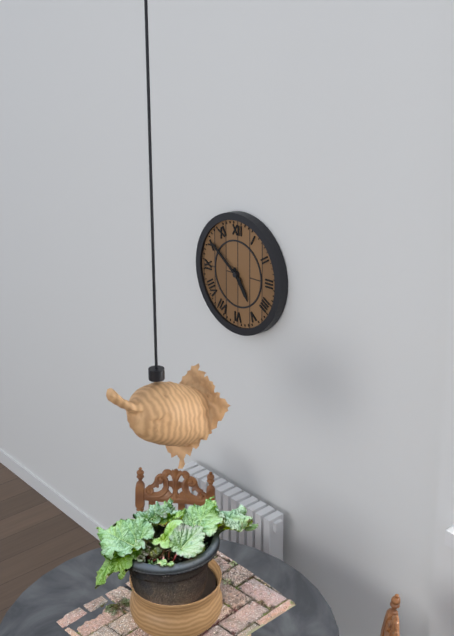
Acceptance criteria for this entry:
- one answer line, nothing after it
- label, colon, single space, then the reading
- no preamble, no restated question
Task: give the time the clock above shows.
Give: 4:51
